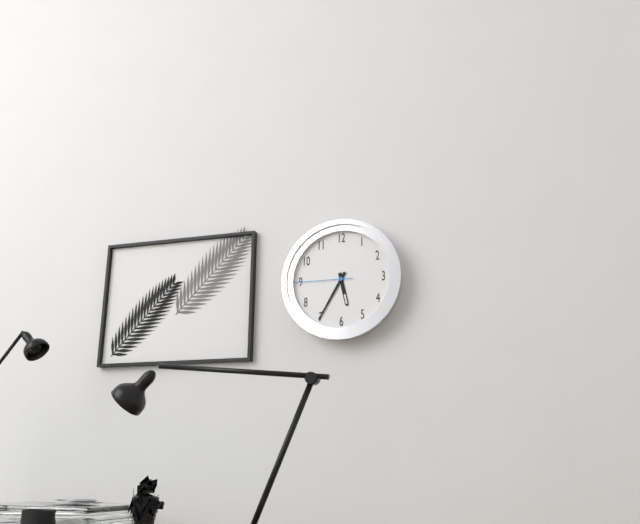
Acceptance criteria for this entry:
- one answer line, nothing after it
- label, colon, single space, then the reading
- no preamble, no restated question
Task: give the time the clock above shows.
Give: 5:35:45
